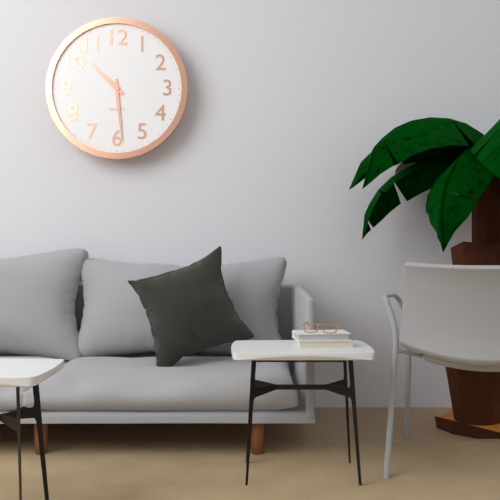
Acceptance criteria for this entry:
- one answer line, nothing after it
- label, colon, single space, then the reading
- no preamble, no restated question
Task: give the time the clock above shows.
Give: 10:29
